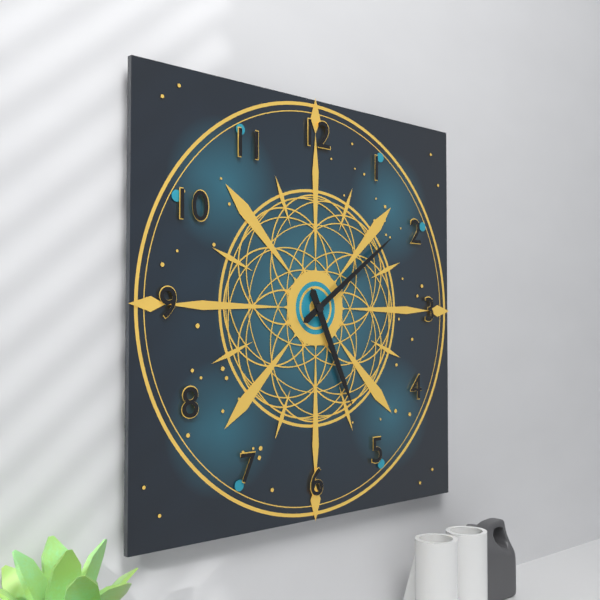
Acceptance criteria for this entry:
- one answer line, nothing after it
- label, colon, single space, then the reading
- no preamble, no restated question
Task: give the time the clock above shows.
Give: 5:09
